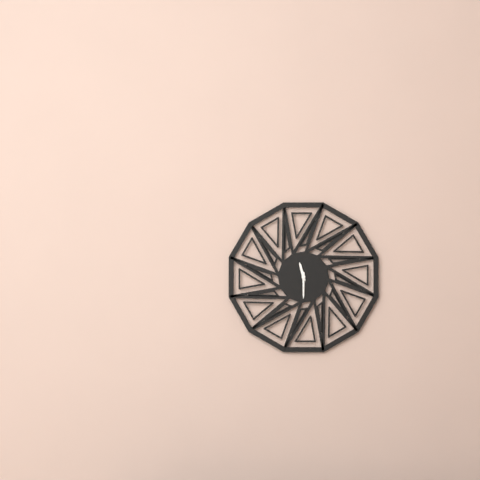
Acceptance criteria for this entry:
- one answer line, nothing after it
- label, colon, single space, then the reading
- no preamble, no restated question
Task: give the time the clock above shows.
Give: 11:30
